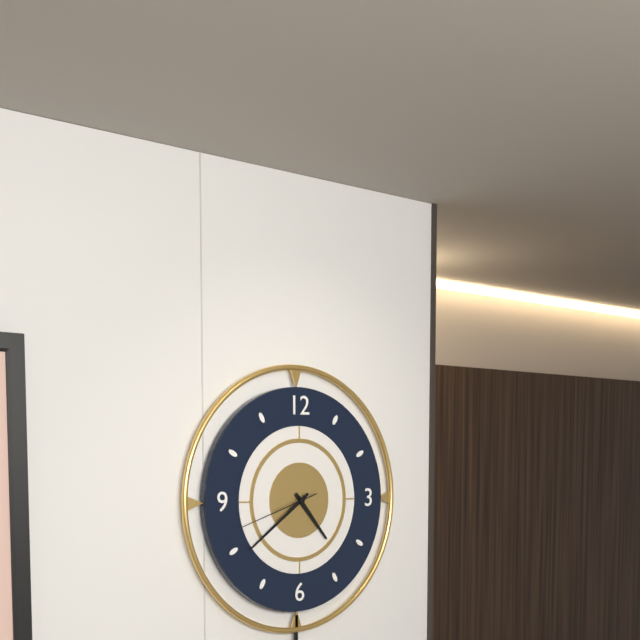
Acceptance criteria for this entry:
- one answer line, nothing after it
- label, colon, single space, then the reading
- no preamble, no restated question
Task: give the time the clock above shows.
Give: 4:39:42
